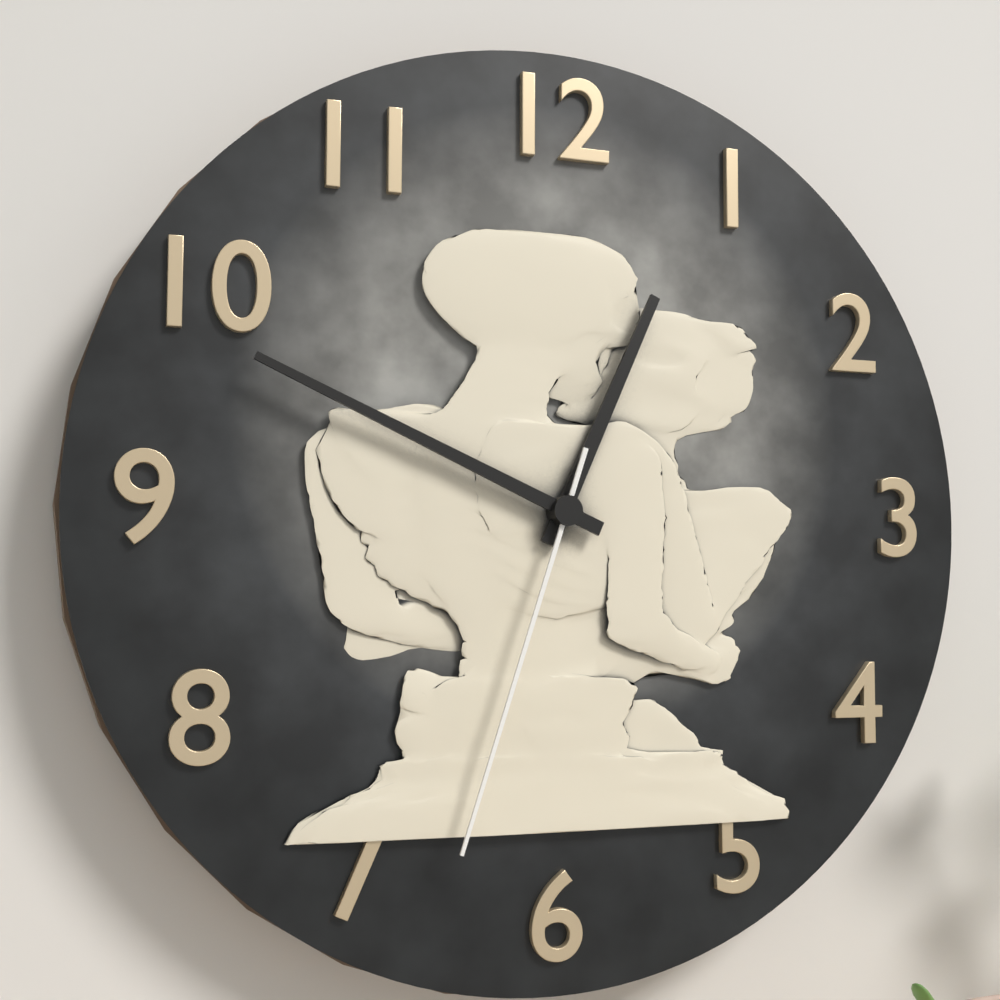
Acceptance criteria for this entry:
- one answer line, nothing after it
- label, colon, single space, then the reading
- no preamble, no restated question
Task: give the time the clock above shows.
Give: 12:49:33
